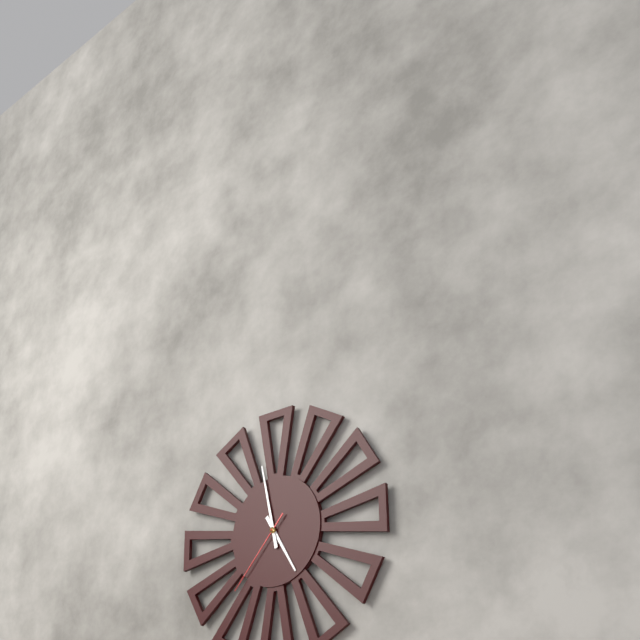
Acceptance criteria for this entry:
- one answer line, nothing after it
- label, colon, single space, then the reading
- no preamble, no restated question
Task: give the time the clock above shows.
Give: 4:58:37
